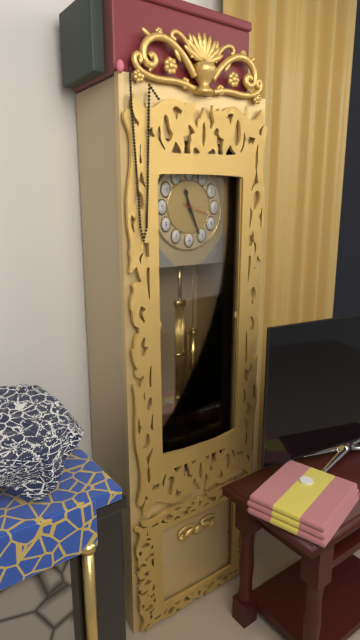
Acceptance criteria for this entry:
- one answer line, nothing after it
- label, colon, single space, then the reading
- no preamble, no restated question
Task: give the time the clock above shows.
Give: 11:26
